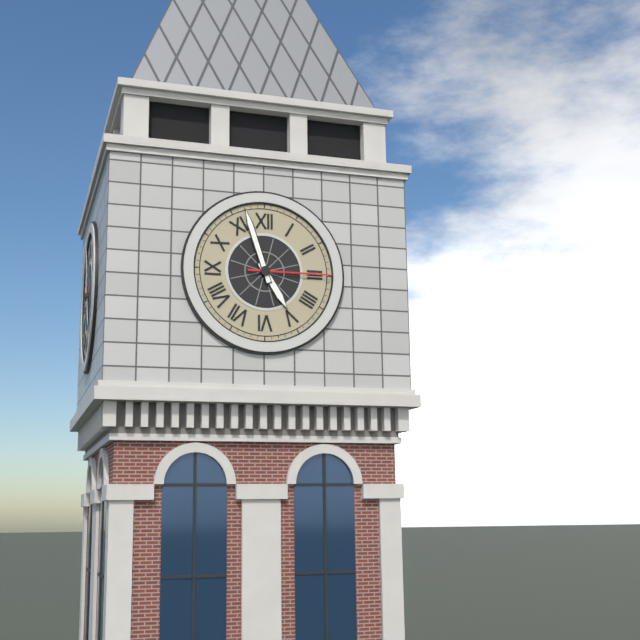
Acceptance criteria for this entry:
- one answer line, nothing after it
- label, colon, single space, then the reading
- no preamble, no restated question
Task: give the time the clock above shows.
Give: 4:57:15
